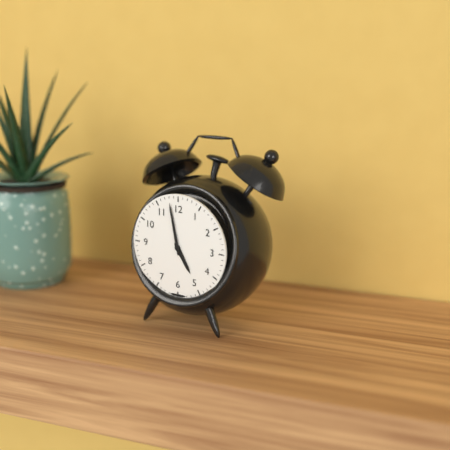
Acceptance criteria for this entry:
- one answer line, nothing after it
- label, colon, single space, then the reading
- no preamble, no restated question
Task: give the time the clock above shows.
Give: 4:58
